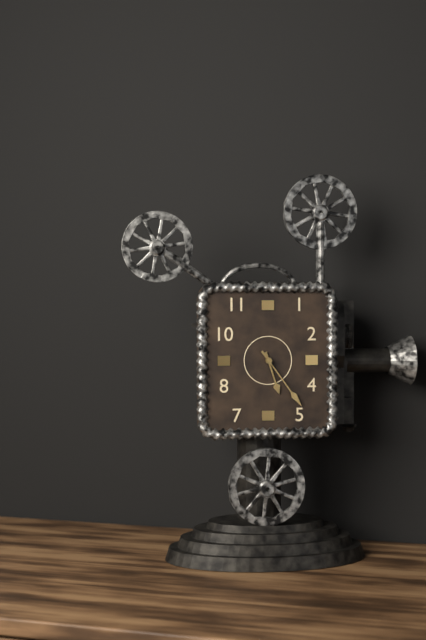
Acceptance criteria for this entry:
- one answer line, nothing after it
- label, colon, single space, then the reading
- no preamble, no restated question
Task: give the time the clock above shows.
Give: 5:24
